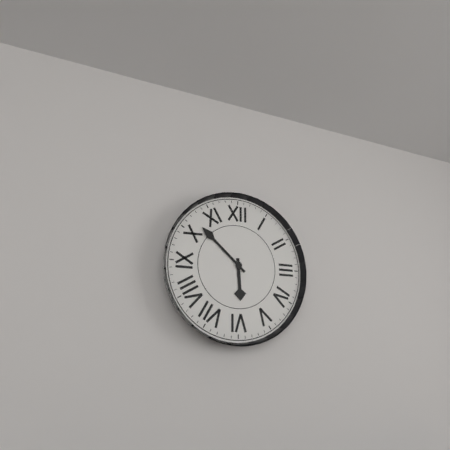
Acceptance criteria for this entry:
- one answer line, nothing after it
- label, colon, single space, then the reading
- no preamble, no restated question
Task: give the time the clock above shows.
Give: 5:52
